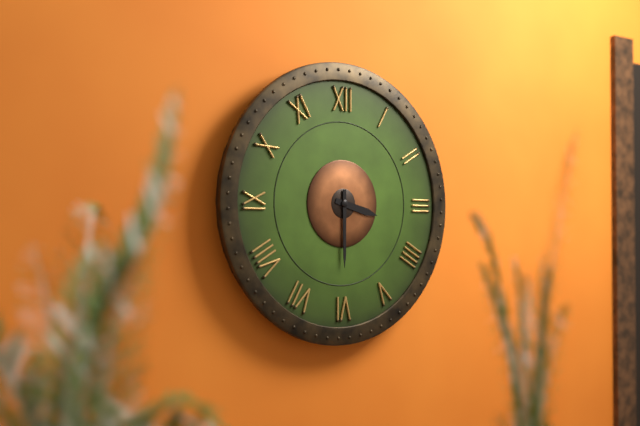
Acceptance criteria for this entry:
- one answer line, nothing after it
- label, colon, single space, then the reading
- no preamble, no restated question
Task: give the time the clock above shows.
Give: 3:30
